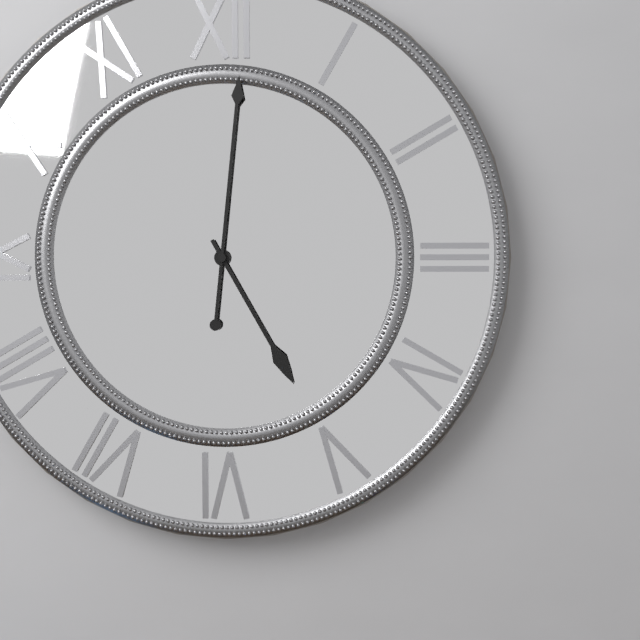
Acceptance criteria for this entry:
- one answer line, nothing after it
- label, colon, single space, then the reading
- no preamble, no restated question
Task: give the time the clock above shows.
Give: 5:01
